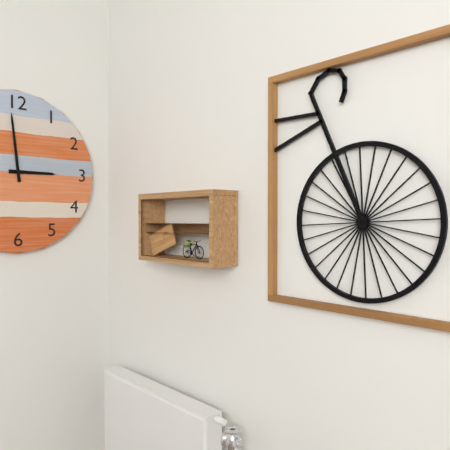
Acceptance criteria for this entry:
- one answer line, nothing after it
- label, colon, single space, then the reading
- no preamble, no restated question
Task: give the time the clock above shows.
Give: 2:59
